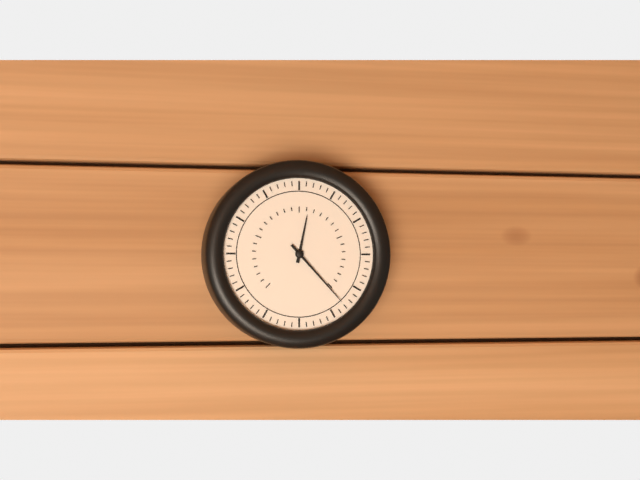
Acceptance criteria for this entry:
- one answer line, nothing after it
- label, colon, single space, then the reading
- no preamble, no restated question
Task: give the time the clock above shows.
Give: 12:23
